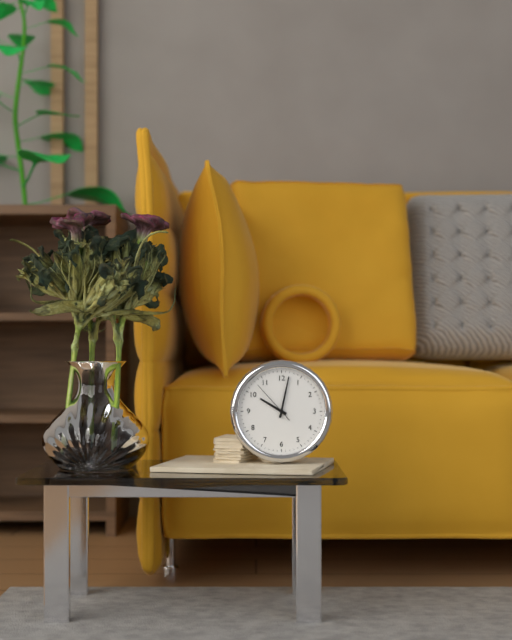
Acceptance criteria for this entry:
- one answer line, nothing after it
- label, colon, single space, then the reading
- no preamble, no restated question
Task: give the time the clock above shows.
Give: 10:02
